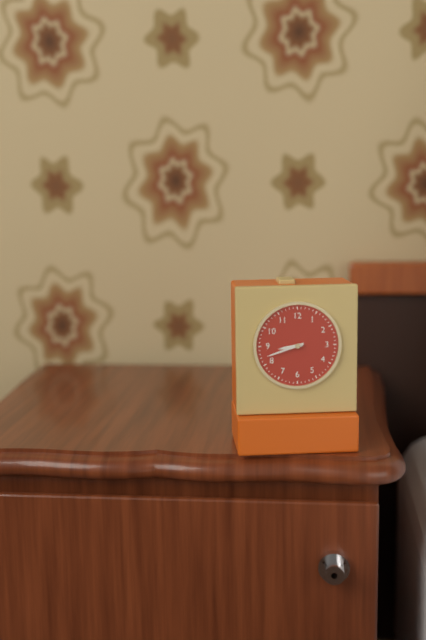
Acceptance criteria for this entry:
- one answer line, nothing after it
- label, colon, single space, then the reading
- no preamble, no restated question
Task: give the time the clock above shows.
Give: 8:42
